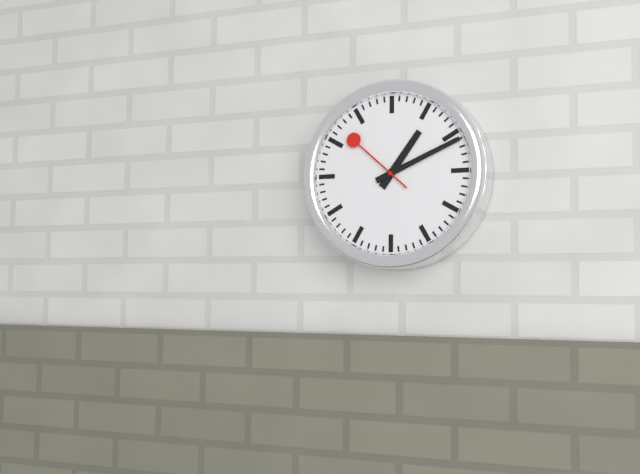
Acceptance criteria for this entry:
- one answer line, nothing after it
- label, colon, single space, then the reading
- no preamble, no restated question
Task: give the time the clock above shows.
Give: 1:11:52
